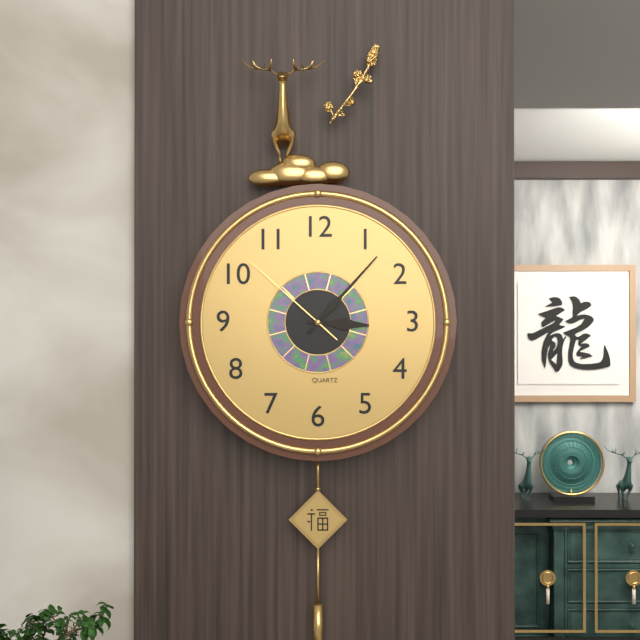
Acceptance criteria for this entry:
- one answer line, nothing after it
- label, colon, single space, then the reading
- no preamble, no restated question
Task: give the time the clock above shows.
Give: 3:07:52
